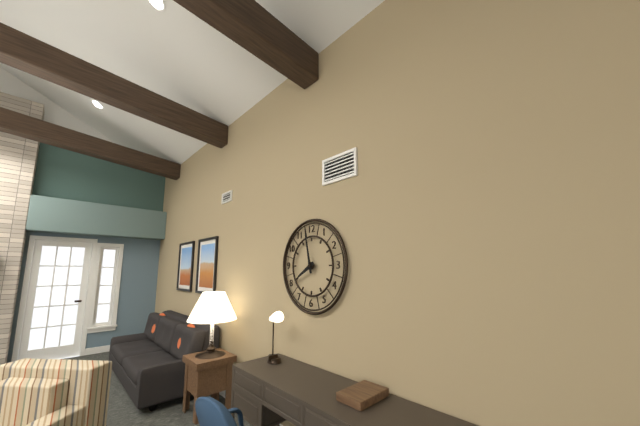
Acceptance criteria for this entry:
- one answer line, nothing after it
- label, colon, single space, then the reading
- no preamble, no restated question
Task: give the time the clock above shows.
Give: 7:58
